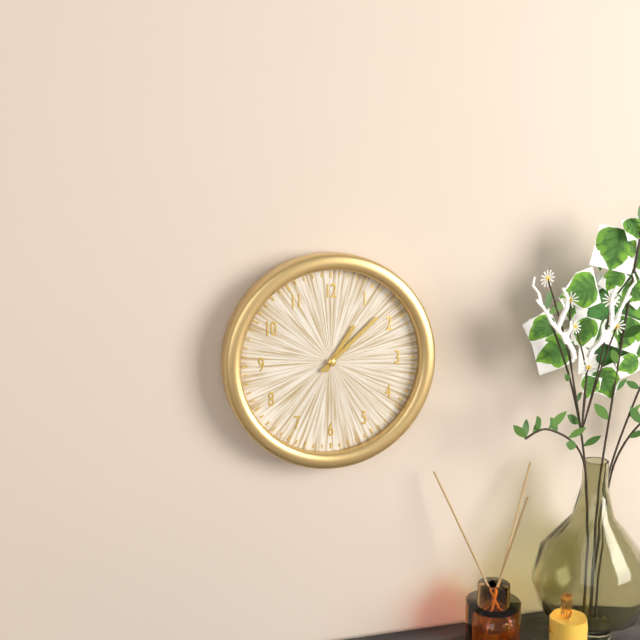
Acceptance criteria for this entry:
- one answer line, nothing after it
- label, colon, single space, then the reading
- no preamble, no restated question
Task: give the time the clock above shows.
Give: 1:08
